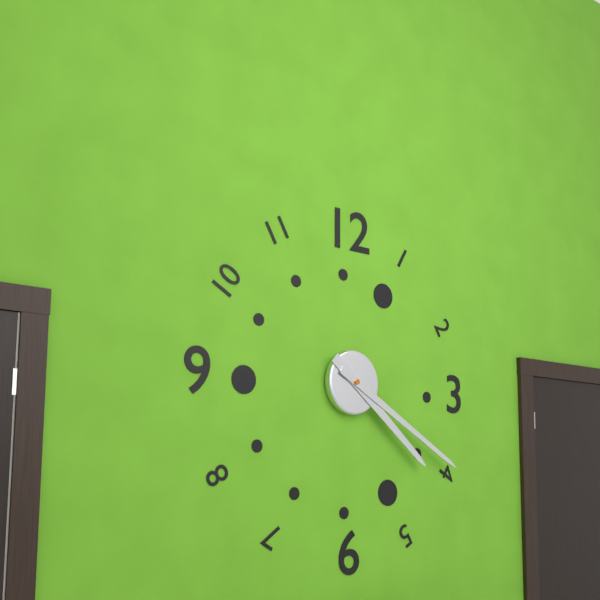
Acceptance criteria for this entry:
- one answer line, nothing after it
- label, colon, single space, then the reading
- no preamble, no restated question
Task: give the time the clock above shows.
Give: 4:20
